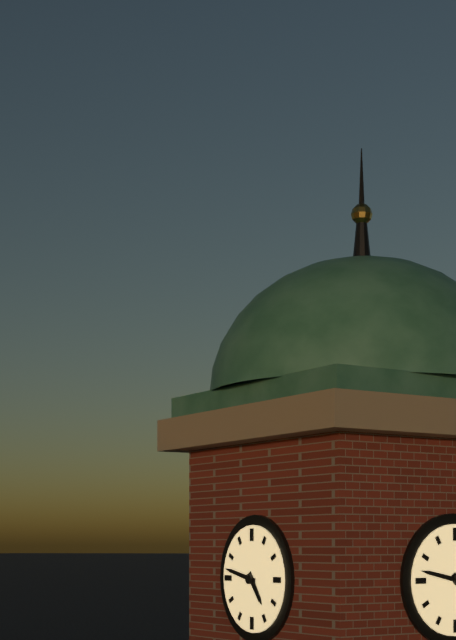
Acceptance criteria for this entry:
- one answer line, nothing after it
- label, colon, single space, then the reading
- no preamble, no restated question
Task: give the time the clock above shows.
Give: 4:47
